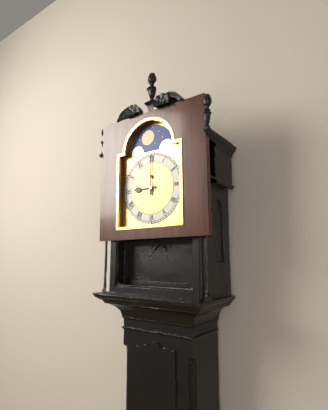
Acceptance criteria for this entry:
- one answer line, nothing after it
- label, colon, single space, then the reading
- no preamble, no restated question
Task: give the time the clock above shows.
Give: 9:00
